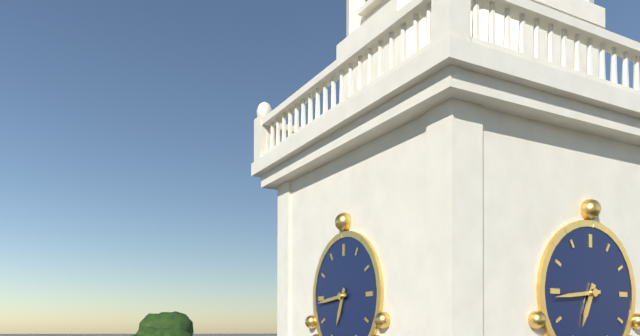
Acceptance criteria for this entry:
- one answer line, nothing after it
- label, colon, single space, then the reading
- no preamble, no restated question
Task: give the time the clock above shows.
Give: 6:44
